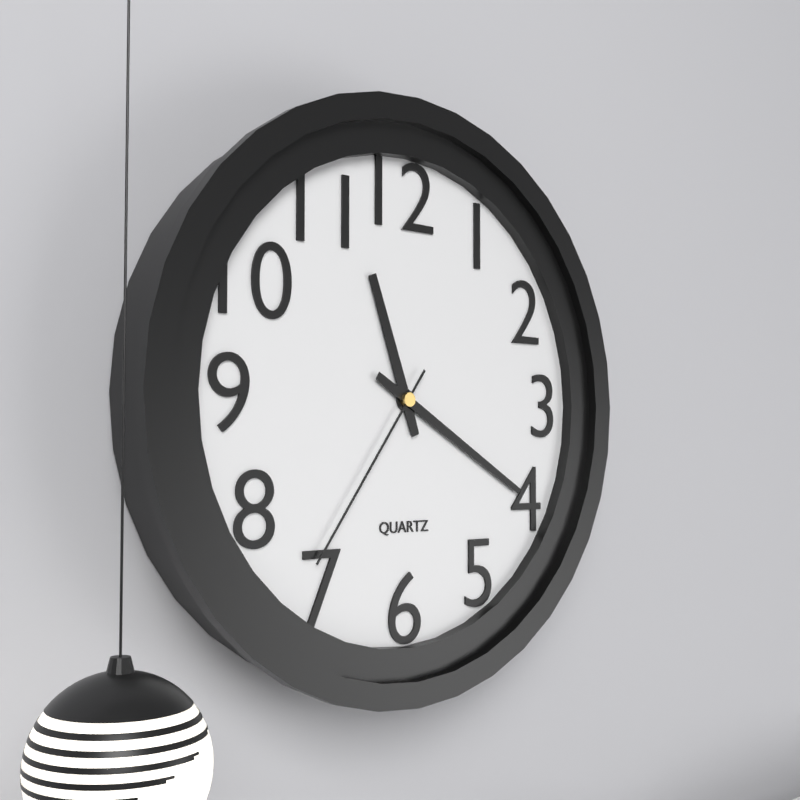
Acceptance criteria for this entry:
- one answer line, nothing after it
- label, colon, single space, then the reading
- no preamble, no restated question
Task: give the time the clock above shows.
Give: 11:20:36
